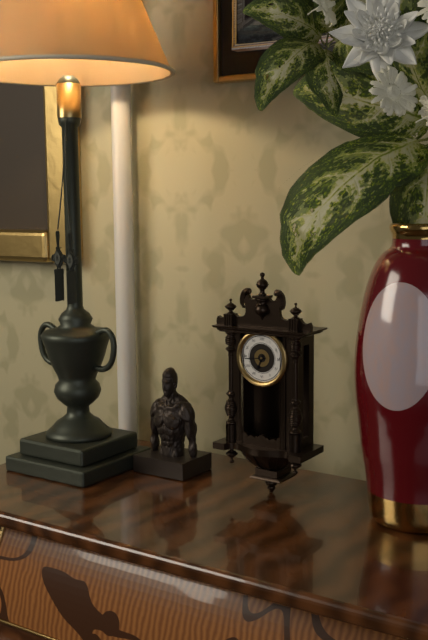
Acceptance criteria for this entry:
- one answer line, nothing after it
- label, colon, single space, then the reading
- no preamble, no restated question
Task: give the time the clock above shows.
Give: 6:44
